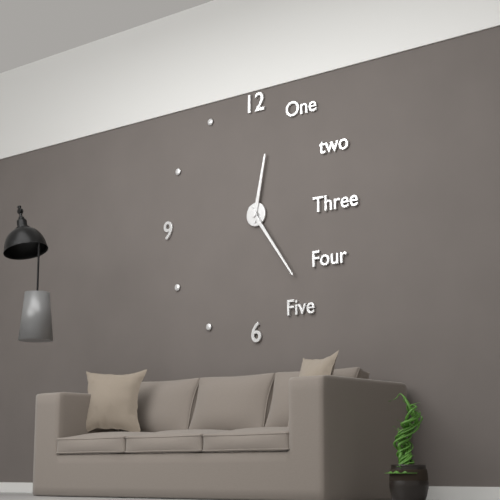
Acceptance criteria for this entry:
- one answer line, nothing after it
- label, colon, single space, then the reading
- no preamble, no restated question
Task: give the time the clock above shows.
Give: 12:24
